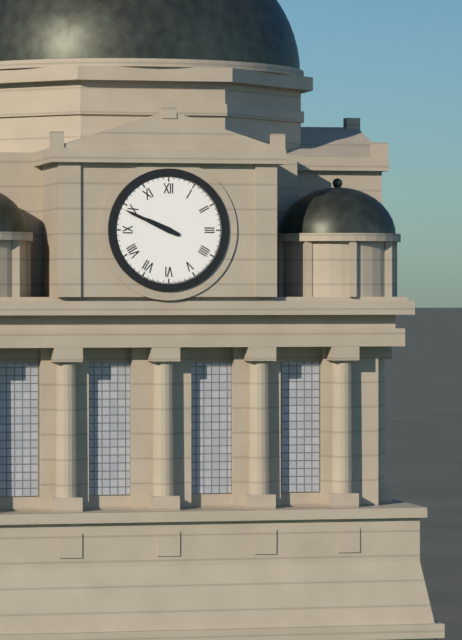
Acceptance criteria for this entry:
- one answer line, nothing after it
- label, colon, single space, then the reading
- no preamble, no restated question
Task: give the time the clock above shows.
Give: 9:49
